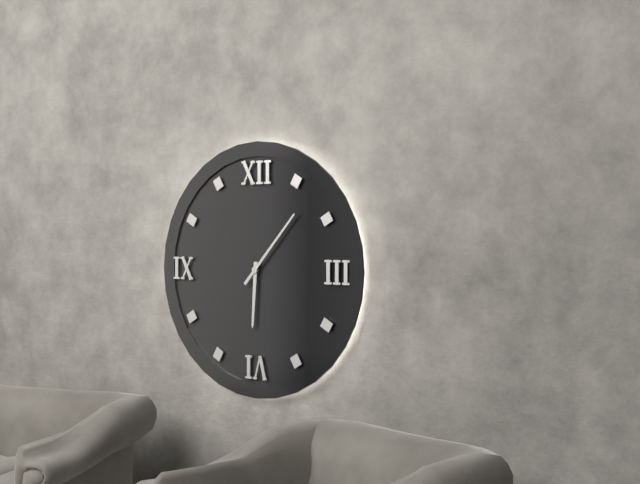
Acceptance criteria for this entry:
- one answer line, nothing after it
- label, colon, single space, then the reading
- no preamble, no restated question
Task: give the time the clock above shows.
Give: 6:07
